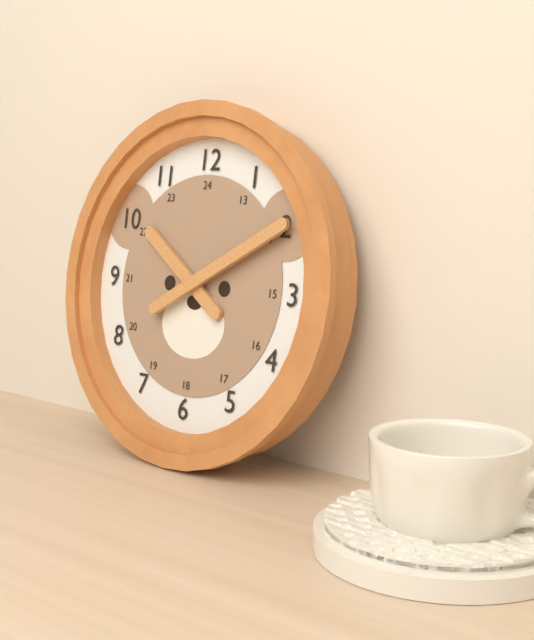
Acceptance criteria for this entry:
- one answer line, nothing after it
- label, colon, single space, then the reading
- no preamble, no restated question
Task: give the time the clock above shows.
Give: 10:10
